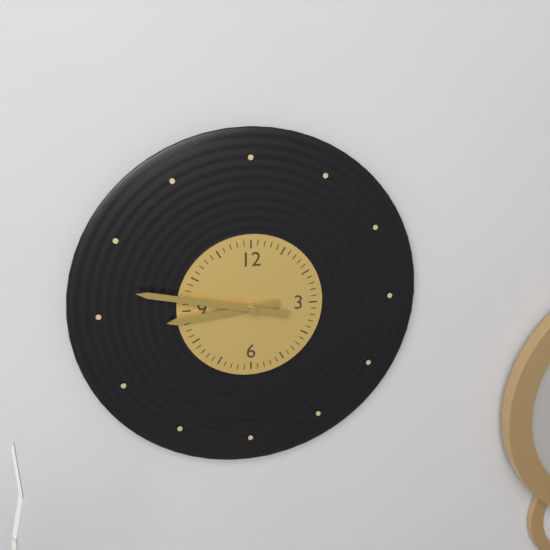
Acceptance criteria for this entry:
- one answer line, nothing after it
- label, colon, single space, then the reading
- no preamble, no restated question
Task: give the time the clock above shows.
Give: 8:47
